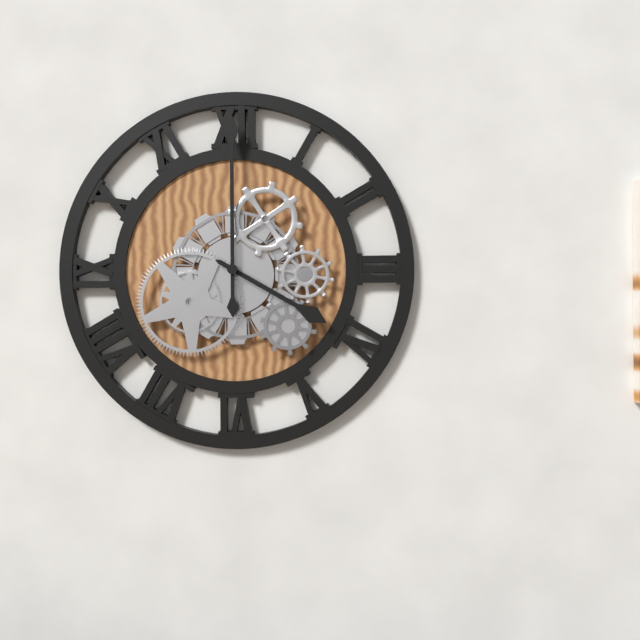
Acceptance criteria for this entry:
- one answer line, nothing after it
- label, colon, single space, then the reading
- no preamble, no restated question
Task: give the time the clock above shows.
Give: 4:00
